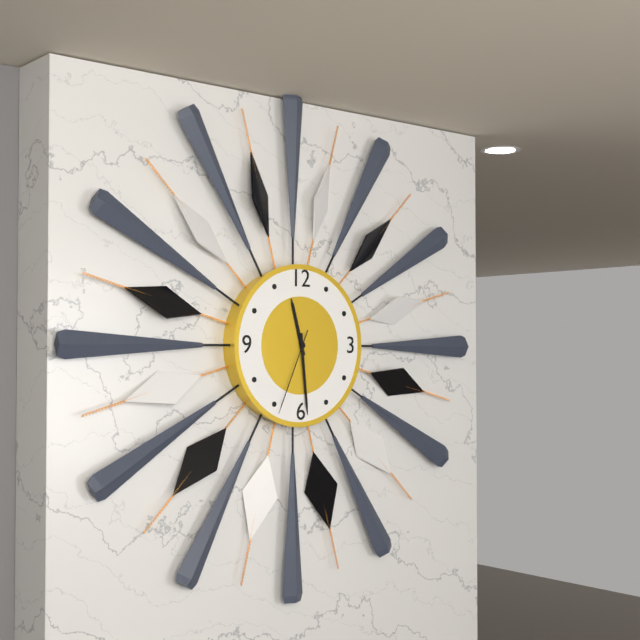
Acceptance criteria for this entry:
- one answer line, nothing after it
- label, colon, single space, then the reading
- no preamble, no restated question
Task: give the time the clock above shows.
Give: 11:29:34
